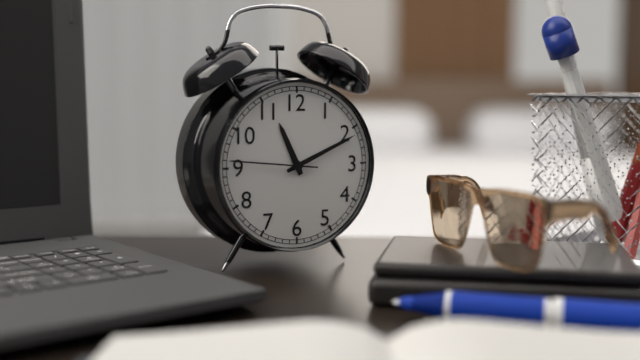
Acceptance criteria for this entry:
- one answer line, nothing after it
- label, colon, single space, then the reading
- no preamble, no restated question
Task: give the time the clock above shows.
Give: 11:11:46
